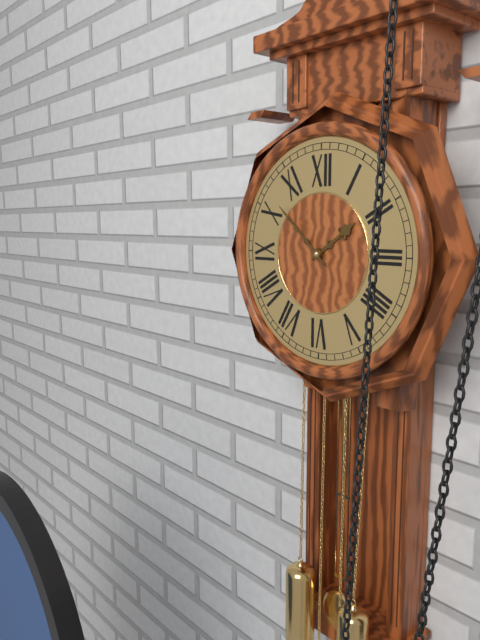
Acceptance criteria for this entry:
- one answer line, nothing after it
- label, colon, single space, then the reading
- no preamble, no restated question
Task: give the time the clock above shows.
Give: 1:52
